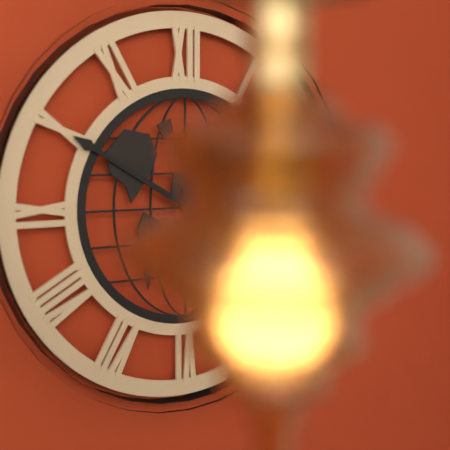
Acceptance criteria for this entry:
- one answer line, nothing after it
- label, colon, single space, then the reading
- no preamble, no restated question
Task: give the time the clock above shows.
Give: 5:50
